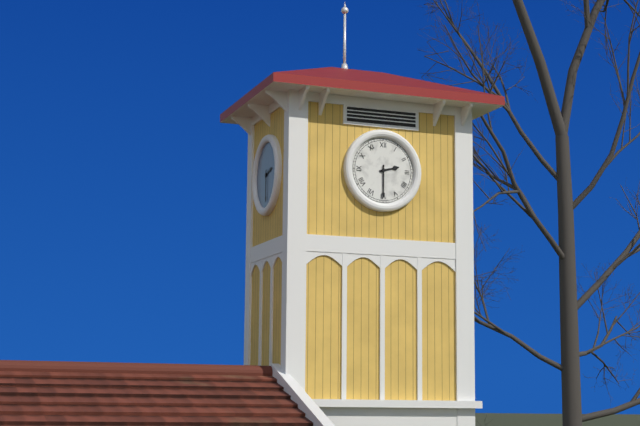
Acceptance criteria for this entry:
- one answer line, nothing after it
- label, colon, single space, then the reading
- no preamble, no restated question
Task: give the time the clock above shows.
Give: 2:30
